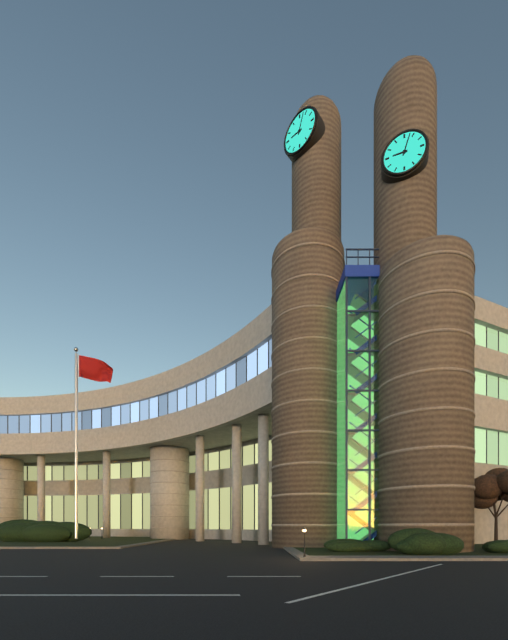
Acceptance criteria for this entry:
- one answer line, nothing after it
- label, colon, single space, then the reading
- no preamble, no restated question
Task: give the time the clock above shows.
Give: 9:03
